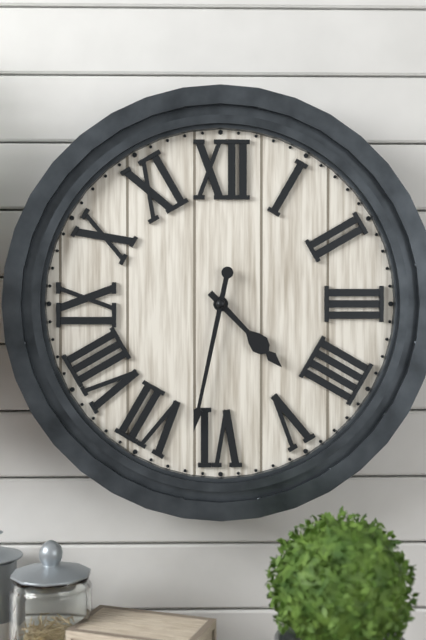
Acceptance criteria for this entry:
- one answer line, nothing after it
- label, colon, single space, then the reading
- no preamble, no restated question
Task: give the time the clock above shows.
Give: 4:32
